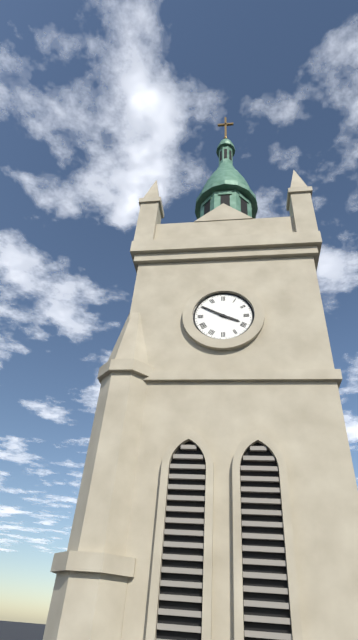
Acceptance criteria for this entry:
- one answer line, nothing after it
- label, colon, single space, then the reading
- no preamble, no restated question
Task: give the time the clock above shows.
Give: 3:50
